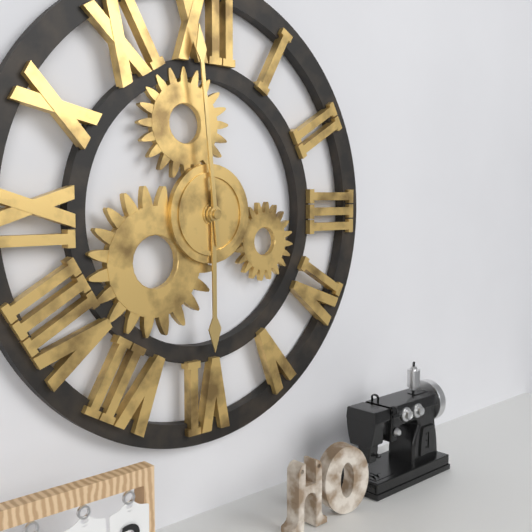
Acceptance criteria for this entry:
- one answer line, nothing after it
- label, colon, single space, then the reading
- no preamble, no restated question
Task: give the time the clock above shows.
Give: 5:59
